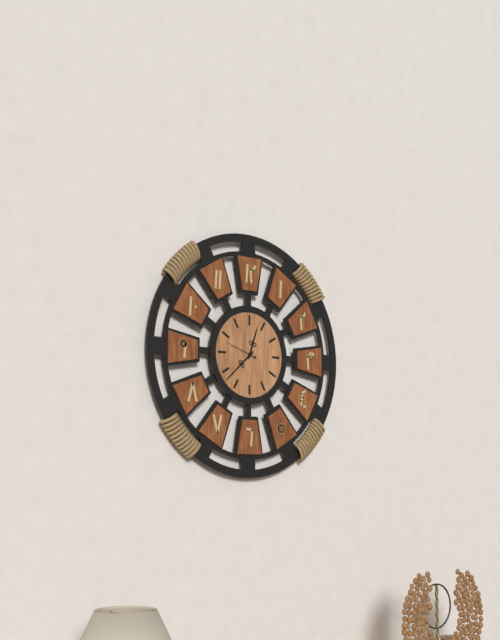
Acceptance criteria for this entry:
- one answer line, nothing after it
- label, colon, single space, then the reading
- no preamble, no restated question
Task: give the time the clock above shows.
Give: 12:38
